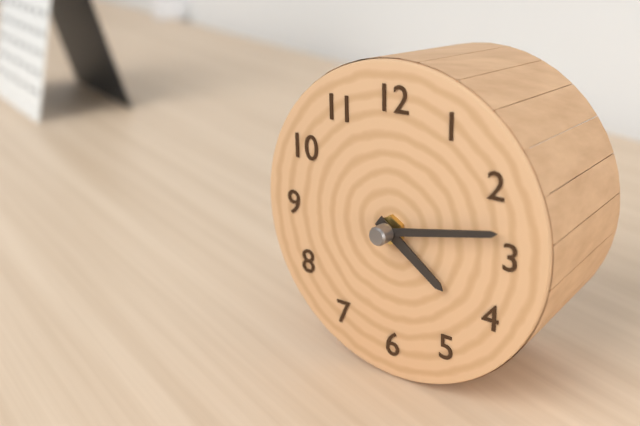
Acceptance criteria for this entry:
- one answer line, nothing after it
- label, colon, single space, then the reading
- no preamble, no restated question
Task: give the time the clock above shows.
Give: 4:13
